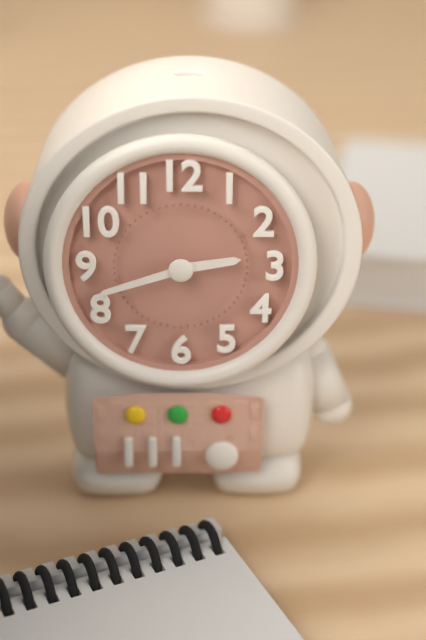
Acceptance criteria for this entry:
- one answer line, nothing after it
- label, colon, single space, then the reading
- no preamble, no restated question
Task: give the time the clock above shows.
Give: 2:42
